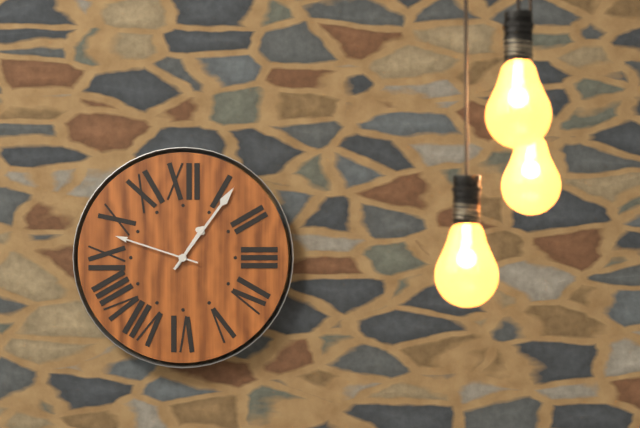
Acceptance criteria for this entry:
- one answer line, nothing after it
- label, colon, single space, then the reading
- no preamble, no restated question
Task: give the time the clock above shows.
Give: 1:06:48
